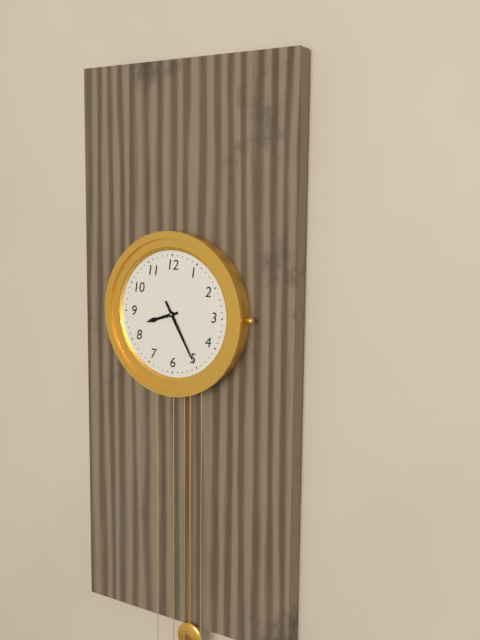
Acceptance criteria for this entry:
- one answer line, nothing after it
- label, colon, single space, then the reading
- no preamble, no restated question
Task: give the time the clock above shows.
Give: 8:25
